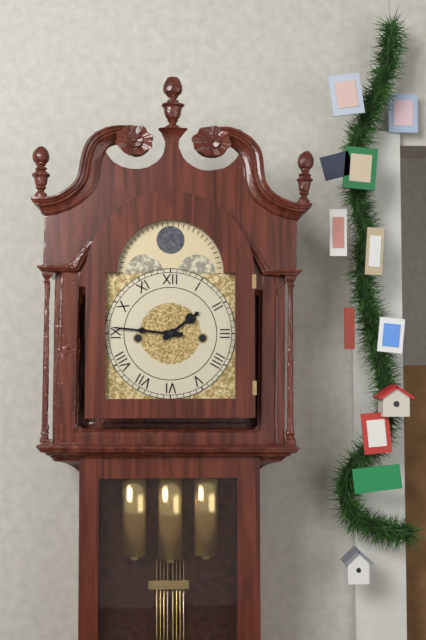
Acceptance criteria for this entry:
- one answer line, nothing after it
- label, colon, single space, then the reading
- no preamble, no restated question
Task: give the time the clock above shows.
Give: 1:46
